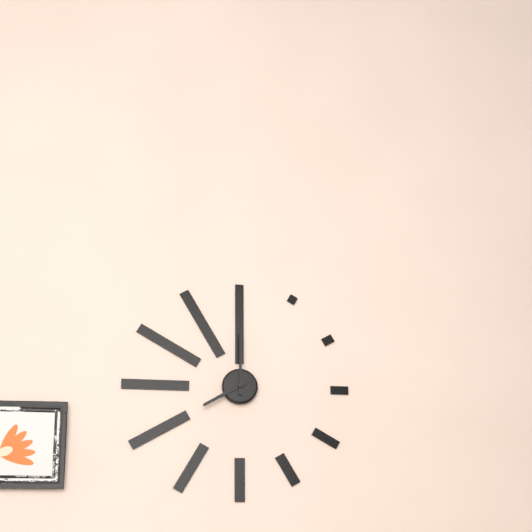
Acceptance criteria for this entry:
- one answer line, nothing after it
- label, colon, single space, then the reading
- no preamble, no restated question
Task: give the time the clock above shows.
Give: 8:00
